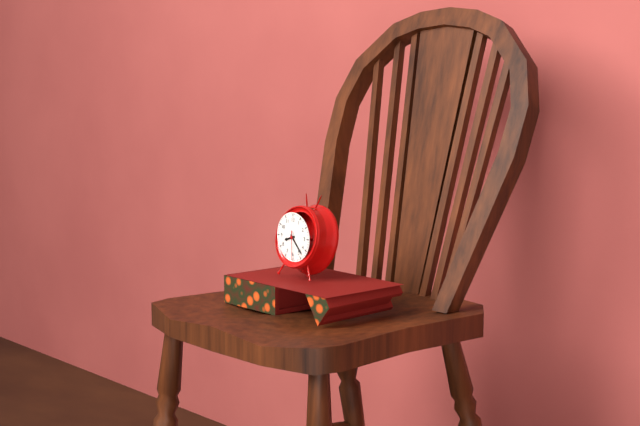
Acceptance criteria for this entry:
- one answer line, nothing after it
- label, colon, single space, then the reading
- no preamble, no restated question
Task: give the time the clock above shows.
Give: 8:23
